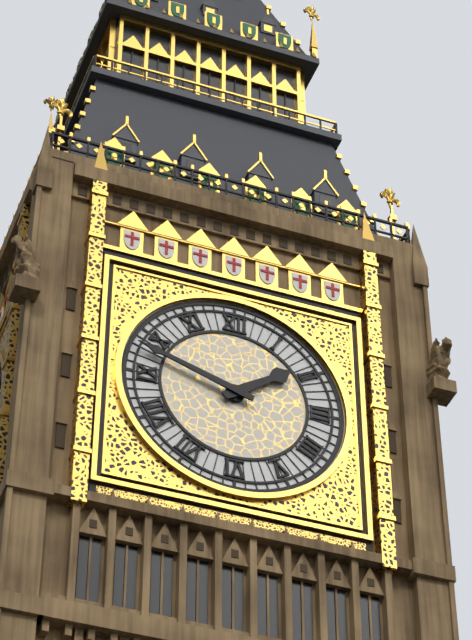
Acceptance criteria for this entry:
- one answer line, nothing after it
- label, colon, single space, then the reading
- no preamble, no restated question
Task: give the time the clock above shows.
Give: 1:48
